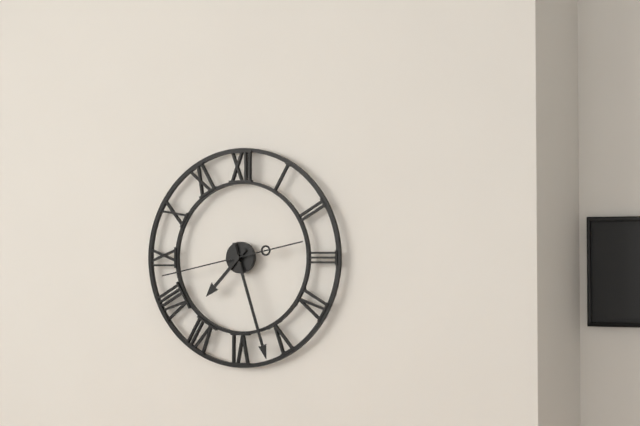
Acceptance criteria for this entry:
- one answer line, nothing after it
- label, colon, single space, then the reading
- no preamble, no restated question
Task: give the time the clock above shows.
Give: 7:27:43
